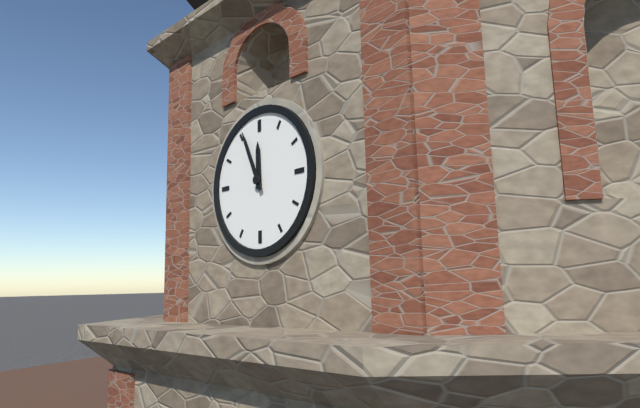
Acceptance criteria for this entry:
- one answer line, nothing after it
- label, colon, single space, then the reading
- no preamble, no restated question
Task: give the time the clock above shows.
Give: 11:56
